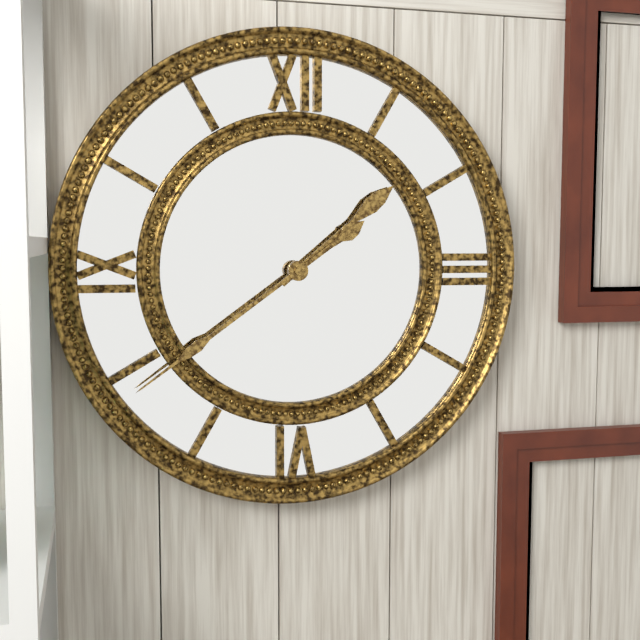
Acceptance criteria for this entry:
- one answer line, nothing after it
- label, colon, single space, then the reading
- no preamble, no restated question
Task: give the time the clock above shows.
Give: 1:39
